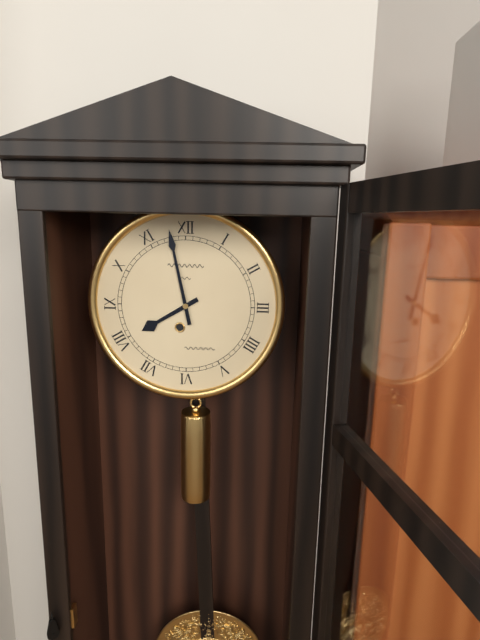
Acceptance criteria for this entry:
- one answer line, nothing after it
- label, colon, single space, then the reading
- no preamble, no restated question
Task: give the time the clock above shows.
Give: 7:58
